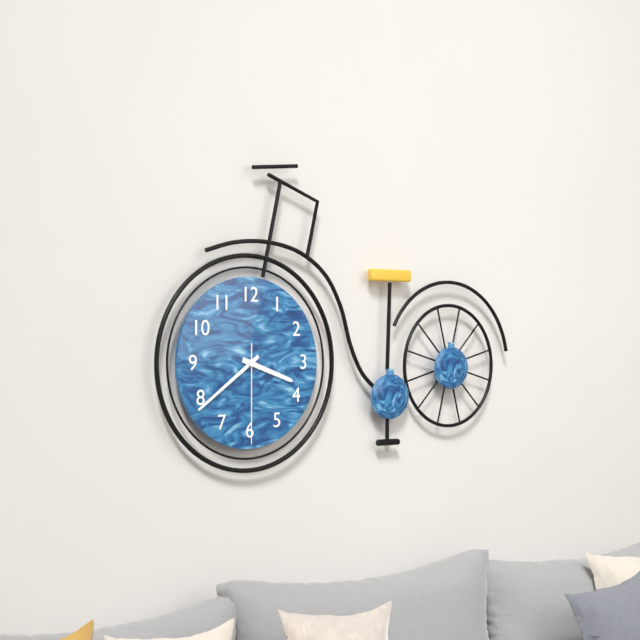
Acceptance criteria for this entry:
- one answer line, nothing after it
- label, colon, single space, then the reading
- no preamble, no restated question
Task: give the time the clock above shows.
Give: 3:39:30
